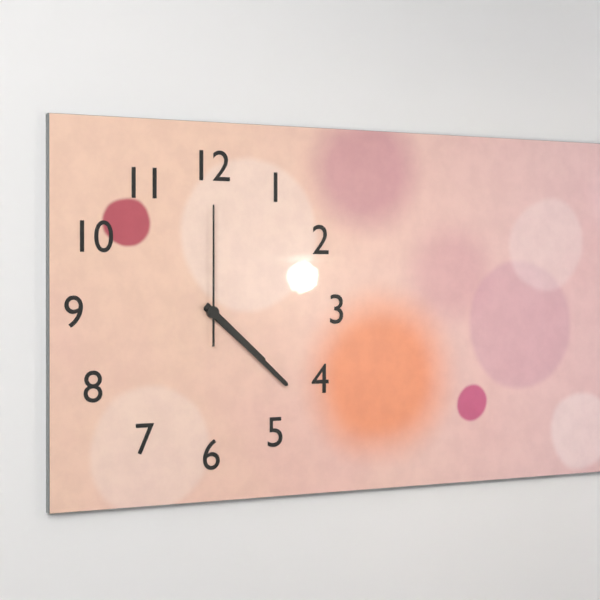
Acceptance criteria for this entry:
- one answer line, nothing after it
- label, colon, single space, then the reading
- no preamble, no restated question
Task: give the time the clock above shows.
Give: 4:22:00
